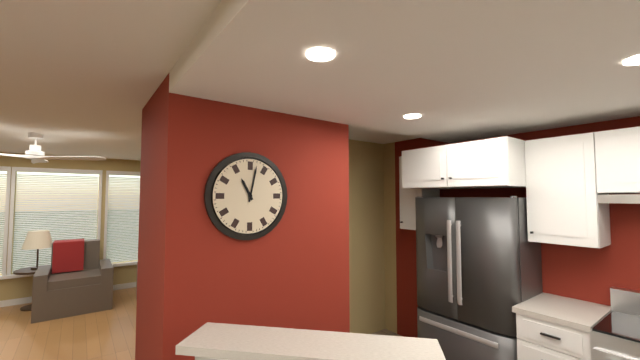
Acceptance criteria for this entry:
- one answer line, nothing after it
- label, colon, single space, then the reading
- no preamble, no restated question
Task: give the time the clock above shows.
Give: 11:02
